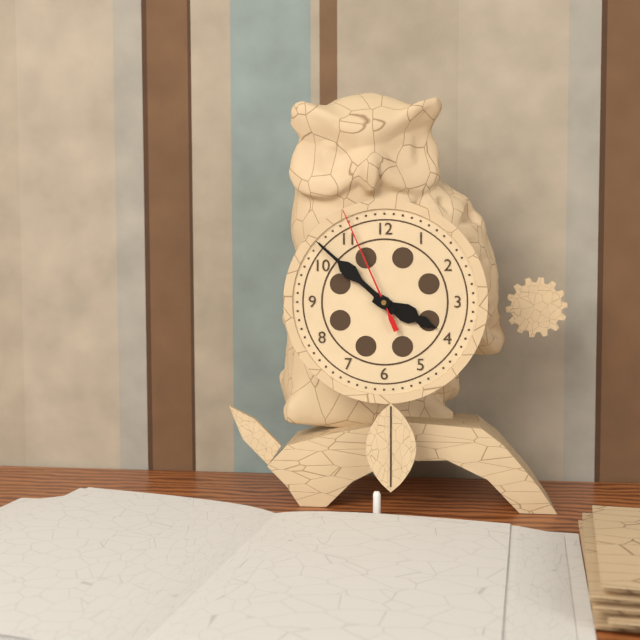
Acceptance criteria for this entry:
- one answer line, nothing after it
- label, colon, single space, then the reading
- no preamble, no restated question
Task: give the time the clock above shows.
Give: 3:52:56
